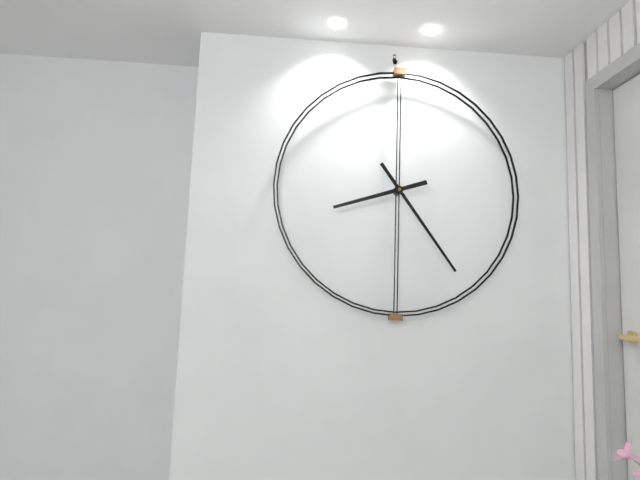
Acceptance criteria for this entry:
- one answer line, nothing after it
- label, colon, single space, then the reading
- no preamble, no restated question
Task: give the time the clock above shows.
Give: 8:24
